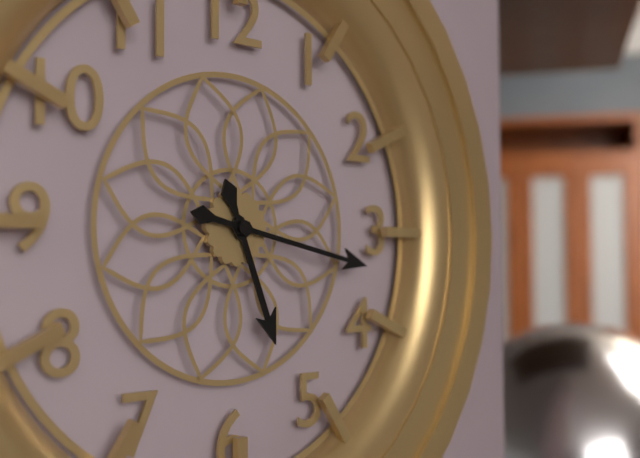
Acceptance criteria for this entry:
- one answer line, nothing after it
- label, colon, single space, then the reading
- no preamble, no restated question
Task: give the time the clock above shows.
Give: 5:17
